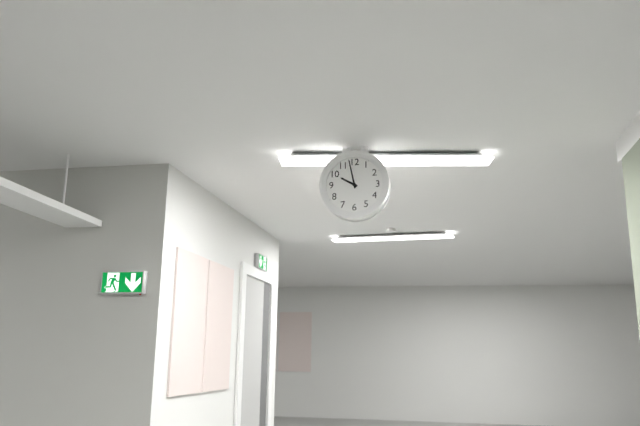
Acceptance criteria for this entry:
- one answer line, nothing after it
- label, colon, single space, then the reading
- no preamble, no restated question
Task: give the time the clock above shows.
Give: 9:58
